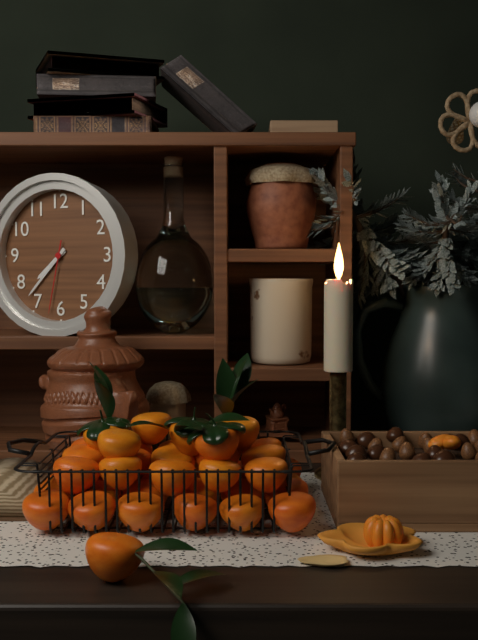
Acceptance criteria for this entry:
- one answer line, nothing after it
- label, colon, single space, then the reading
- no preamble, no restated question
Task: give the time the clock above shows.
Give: 7:37:32
